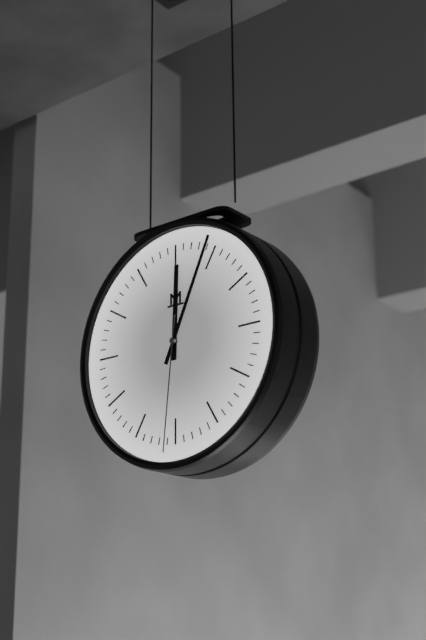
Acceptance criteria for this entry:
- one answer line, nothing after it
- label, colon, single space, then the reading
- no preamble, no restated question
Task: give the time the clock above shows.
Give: 12:04:31
